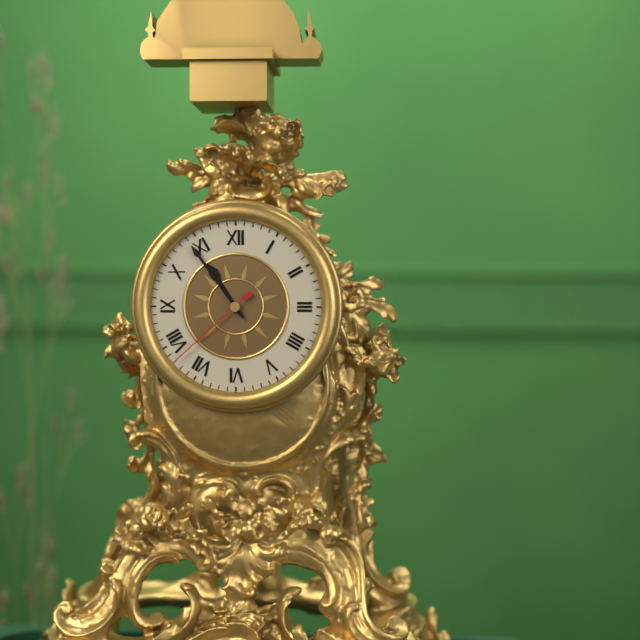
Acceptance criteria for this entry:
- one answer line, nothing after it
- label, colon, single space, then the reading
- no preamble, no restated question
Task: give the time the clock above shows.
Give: 10:54:38
